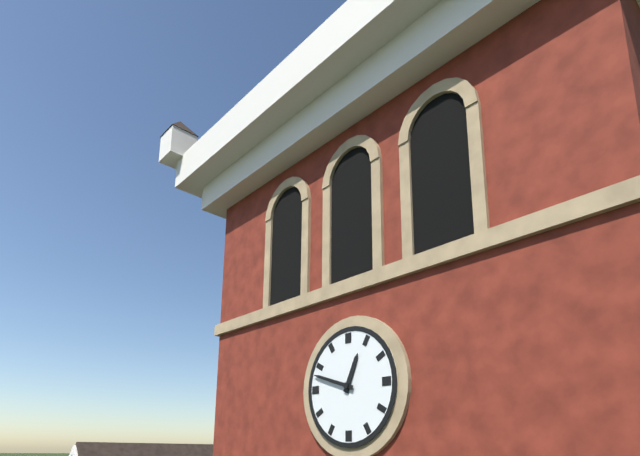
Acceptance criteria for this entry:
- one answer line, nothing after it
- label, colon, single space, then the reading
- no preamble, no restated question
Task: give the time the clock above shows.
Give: 12:48
